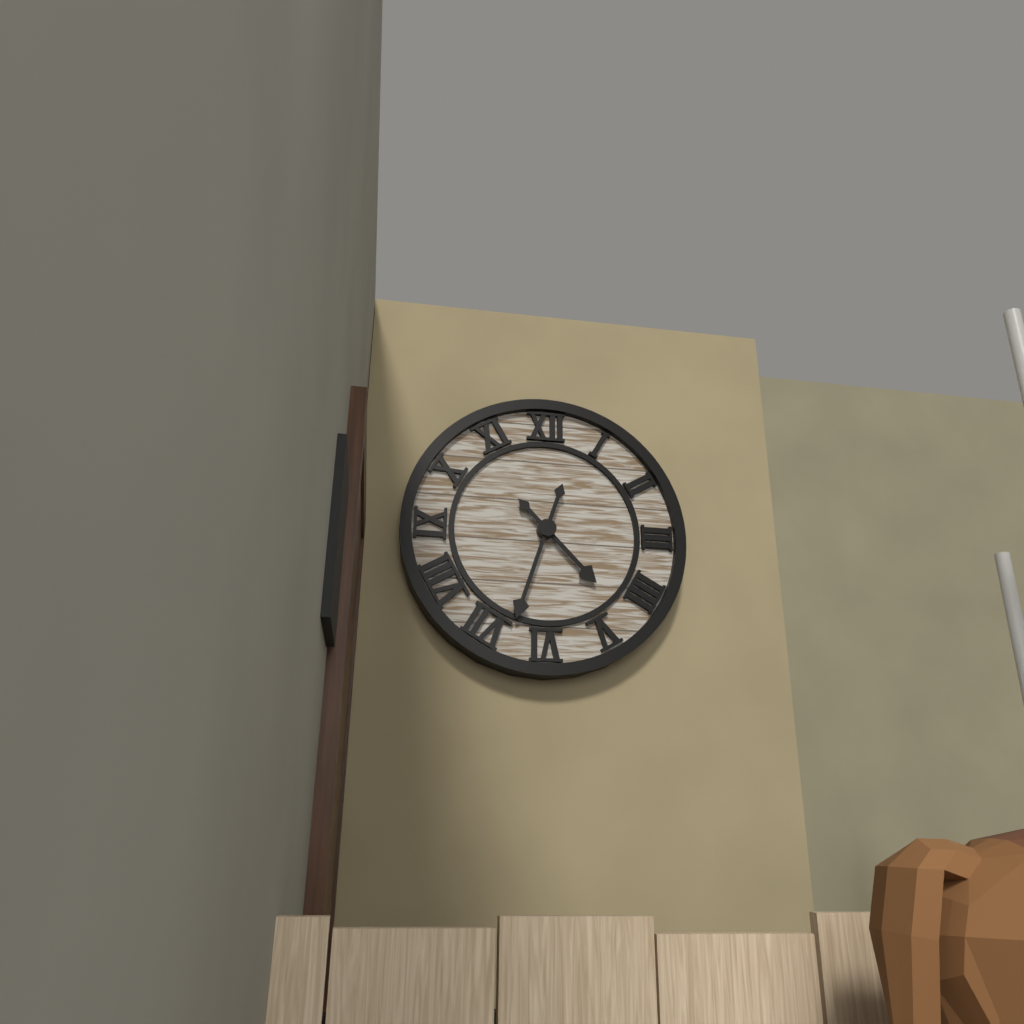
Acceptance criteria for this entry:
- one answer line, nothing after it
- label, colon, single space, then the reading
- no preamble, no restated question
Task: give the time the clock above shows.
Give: 4:33
